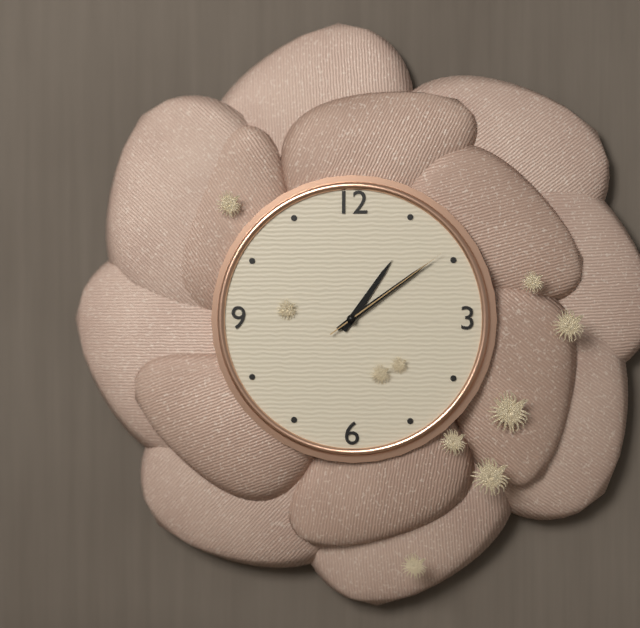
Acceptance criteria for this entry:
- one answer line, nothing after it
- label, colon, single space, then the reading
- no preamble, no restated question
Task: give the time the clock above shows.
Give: 1:09:09
